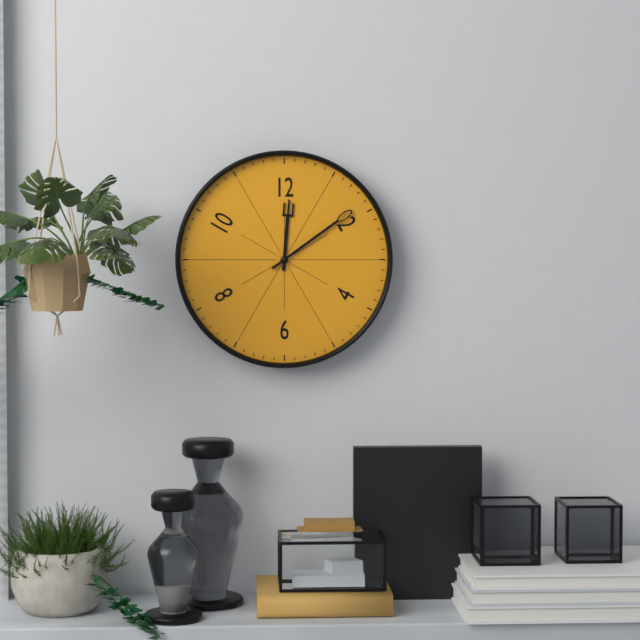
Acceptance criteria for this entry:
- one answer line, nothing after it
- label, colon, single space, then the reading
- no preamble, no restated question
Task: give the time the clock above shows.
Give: 12:09
